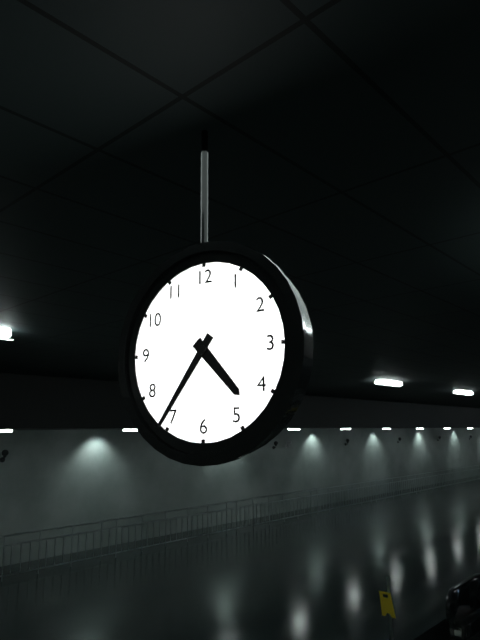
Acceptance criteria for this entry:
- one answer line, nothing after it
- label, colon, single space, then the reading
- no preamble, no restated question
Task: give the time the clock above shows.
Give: 4:36
